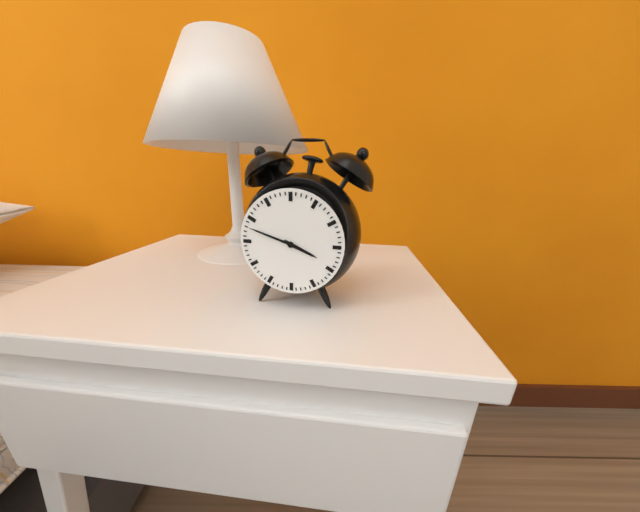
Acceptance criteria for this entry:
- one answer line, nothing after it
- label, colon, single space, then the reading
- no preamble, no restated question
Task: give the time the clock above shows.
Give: 3:48
